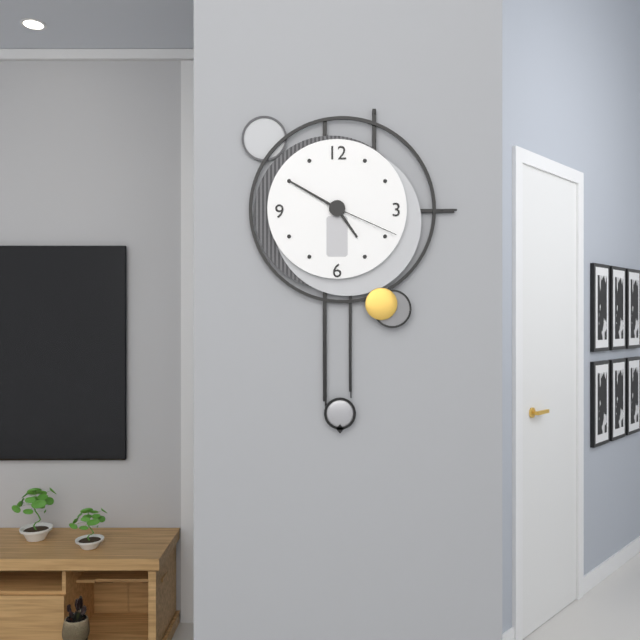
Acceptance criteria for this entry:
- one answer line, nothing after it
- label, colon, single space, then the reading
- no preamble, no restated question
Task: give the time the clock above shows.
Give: 4:50:19
